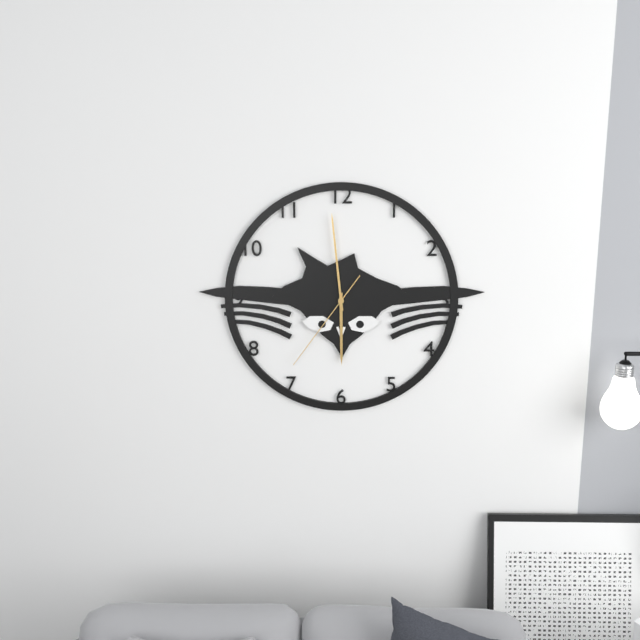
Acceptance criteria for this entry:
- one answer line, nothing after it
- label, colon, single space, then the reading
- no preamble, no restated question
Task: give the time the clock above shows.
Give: 5:59:36
